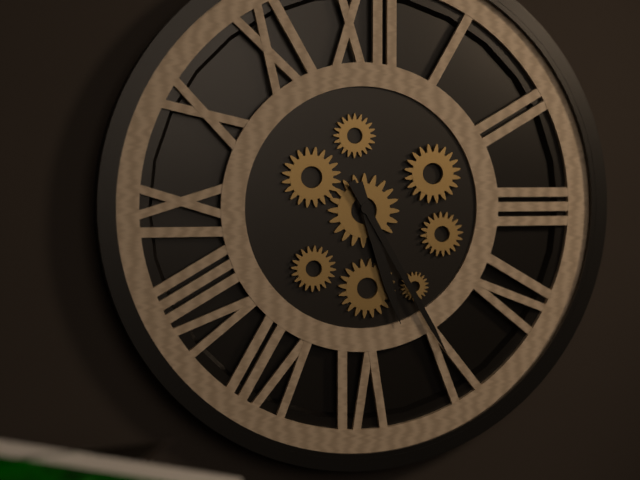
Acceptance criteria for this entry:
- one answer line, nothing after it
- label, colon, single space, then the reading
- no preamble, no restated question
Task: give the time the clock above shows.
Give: 5:25
